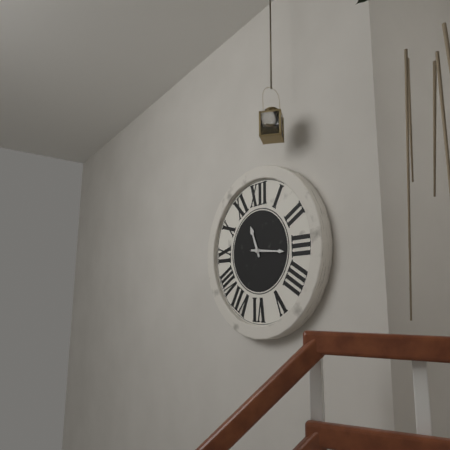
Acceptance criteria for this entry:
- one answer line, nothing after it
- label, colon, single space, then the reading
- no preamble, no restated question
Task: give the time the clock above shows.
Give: 11:16
